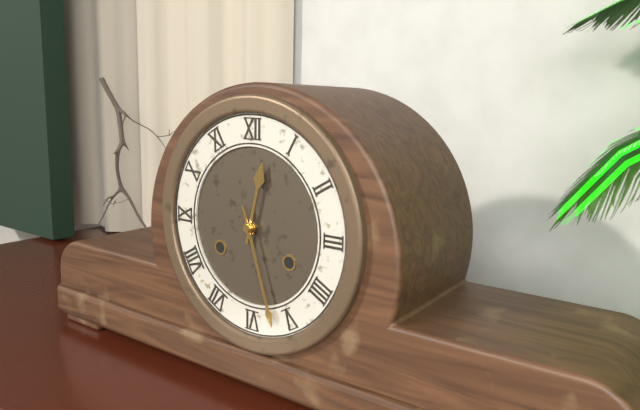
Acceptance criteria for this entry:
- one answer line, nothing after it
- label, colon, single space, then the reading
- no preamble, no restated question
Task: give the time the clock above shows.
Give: 12:27
